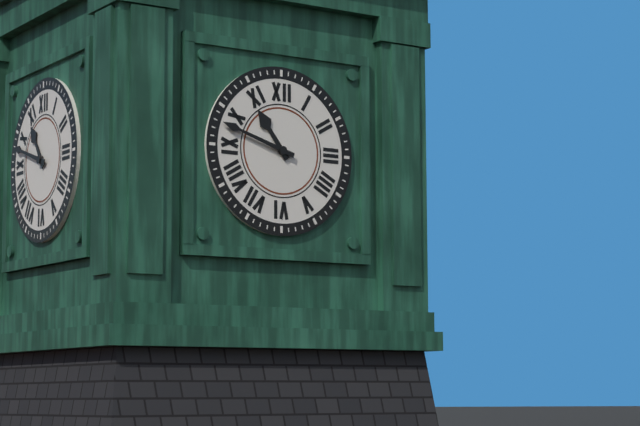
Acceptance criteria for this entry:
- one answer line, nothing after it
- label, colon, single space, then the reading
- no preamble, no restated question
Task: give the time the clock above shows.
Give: 10:48
